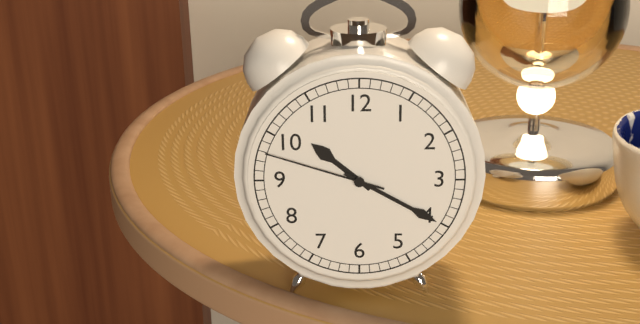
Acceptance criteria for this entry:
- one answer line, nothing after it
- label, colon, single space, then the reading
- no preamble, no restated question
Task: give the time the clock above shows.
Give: 10:20:48
